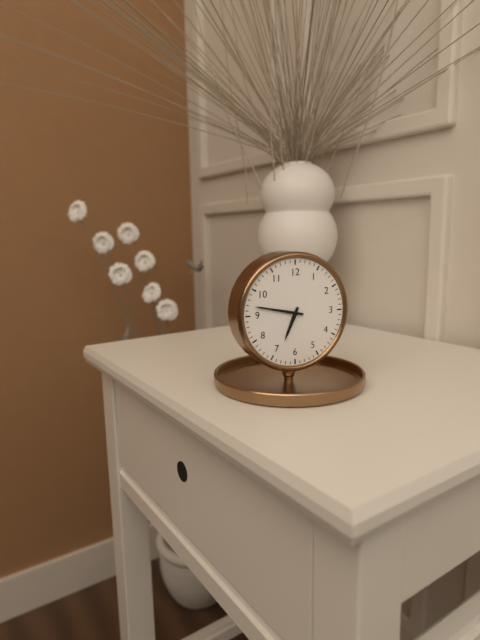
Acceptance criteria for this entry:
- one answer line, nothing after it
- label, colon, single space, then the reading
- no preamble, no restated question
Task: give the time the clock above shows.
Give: 6:47
